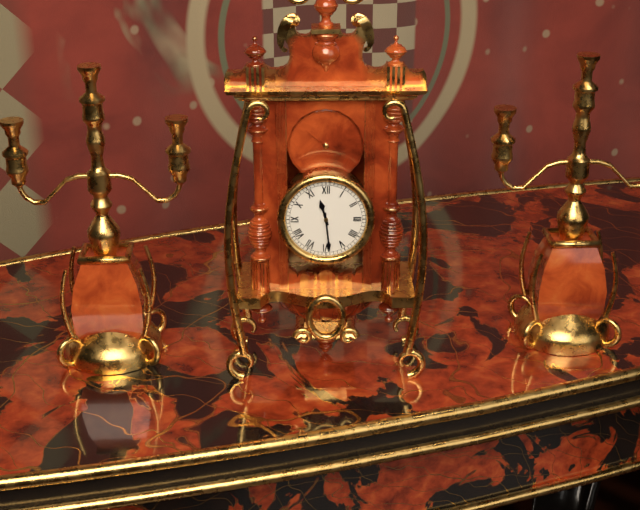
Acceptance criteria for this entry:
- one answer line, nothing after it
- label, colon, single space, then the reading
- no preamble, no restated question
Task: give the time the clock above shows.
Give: 11:29
